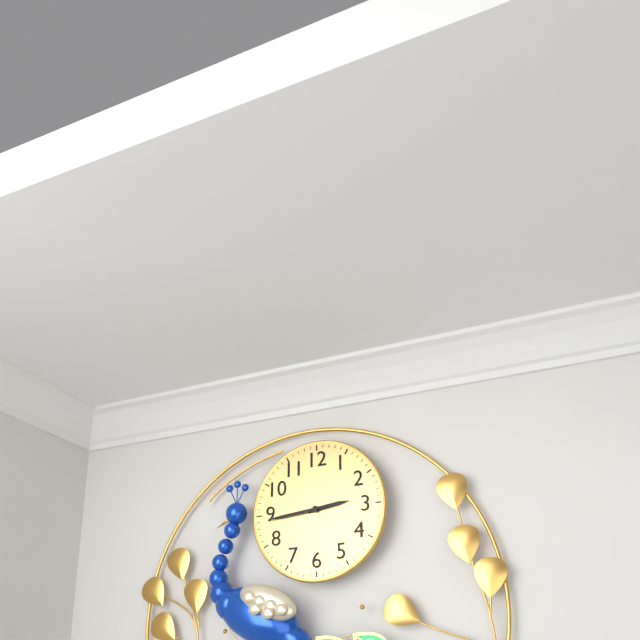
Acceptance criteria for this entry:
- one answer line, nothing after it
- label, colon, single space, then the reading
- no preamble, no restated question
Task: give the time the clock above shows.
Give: 2:44
